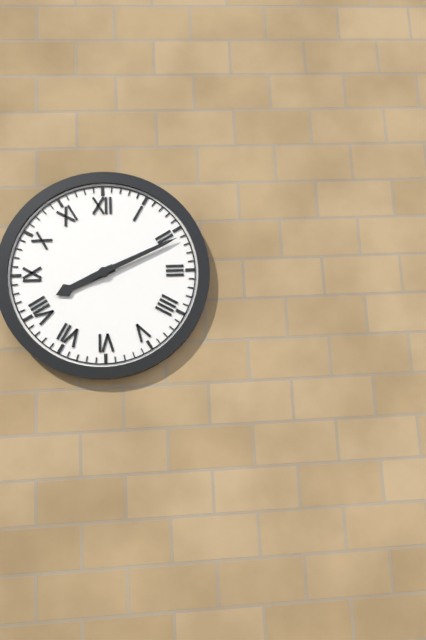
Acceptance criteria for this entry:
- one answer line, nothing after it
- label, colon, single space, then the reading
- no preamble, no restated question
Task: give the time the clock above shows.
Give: 8:11
